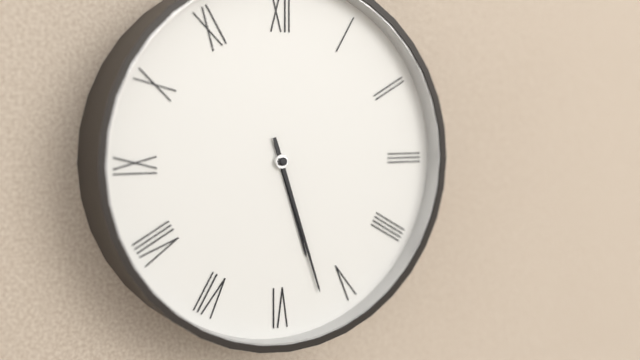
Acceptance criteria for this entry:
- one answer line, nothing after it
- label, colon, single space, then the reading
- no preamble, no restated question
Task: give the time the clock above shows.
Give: 5:27
